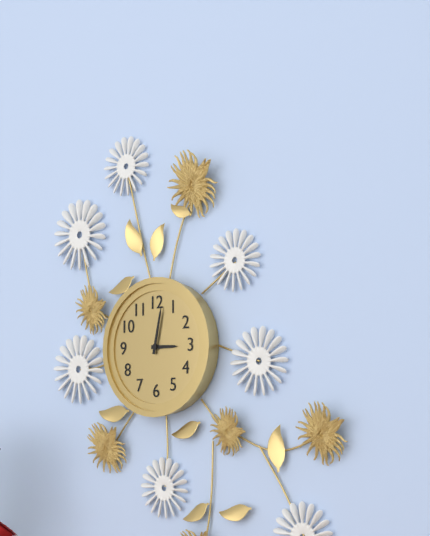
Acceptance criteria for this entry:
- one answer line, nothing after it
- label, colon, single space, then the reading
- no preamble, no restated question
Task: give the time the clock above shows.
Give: 3:02
